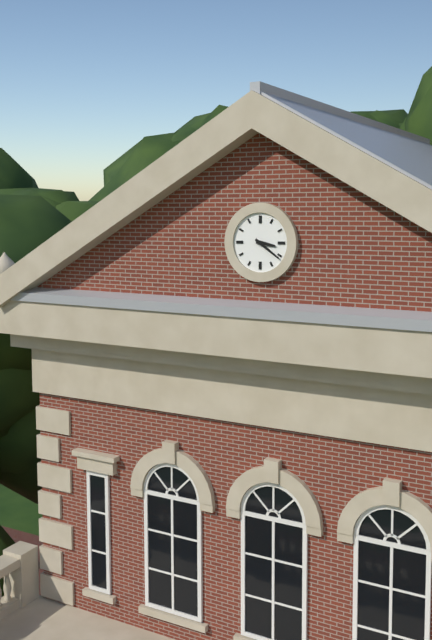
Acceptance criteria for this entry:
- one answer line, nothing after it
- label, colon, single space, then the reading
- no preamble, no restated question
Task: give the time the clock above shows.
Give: 3:21
